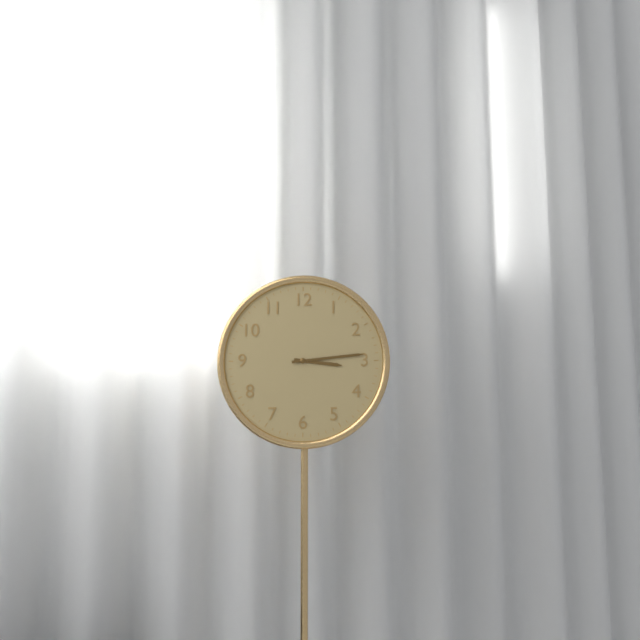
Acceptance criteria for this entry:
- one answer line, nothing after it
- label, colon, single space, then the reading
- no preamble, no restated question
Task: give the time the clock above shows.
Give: 3:14
